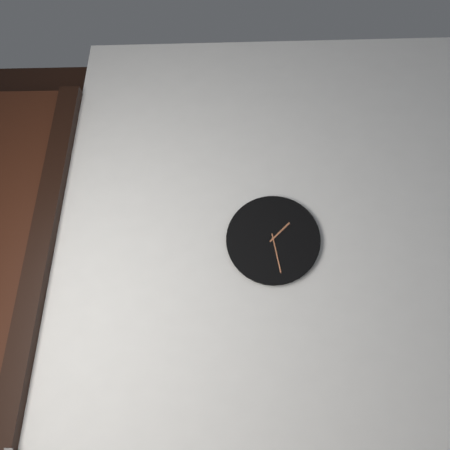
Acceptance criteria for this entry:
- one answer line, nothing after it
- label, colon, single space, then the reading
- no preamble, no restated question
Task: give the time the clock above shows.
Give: 1:28
